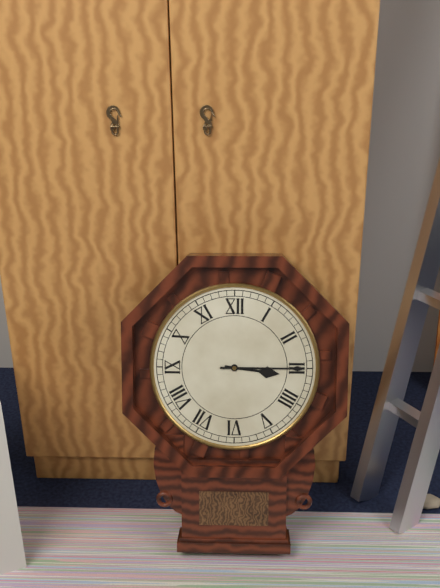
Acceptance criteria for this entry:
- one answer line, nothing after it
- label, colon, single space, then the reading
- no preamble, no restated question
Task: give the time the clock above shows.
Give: 3:15
